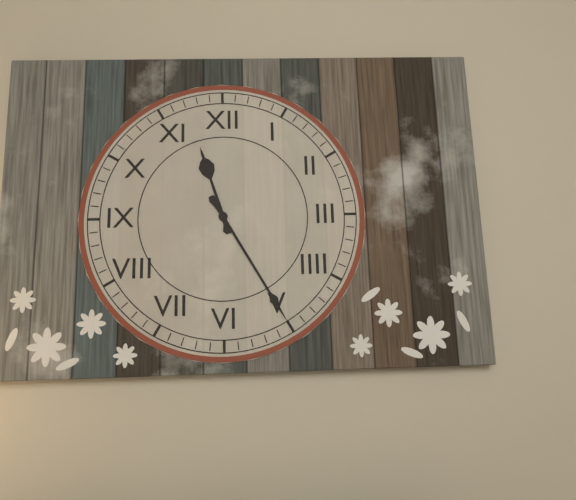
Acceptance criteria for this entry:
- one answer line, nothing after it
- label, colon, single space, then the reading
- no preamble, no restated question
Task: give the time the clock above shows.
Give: 11:25
